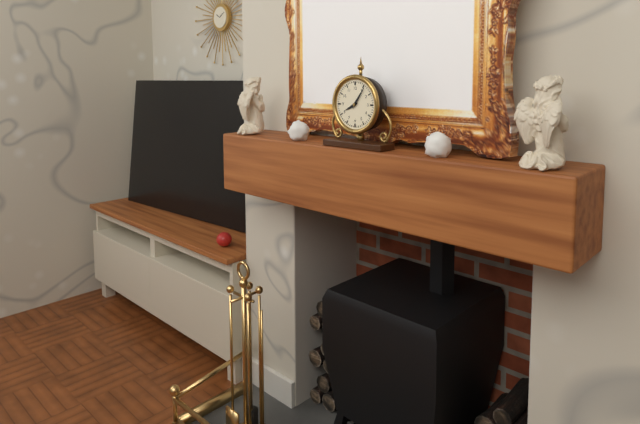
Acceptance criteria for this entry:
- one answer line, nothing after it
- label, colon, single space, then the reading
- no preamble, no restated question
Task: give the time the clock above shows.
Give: 8:06
